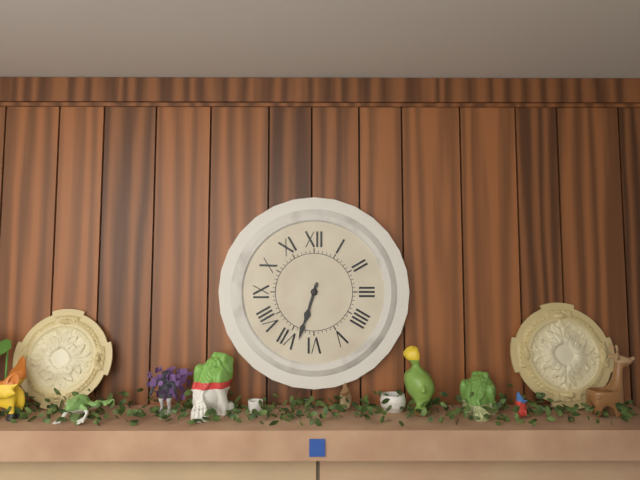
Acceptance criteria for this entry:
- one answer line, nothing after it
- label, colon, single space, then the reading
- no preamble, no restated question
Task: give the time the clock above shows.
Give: 6:33
